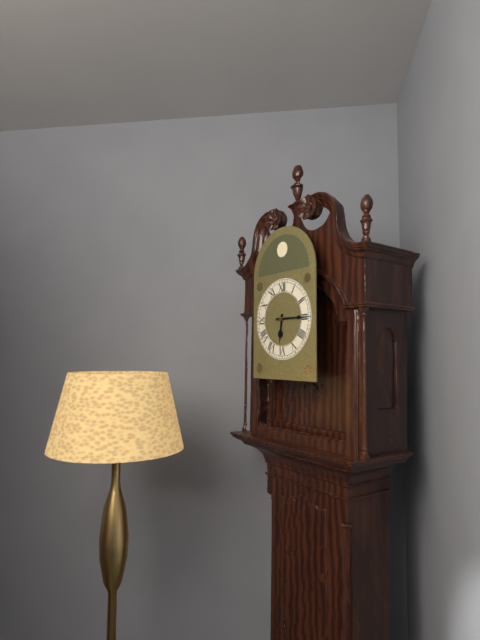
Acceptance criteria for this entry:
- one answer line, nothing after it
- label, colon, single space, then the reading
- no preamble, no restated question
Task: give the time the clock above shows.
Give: 6:15
